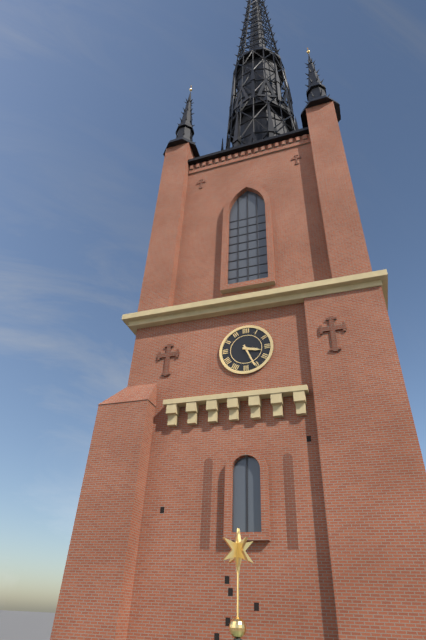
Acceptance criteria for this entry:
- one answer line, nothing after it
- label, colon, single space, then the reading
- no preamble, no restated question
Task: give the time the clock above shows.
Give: 3:26
